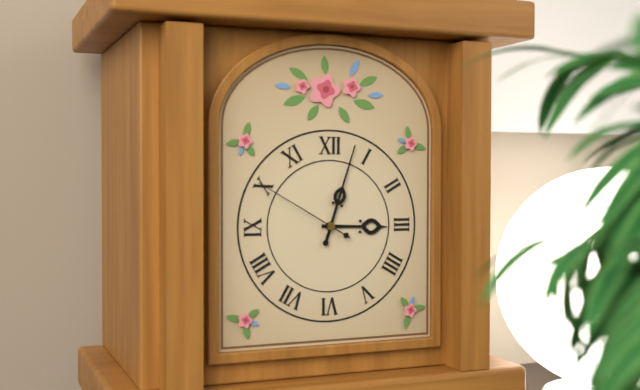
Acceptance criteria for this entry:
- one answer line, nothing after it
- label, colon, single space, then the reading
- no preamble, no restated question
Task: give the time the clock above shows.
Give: 3:03:50
